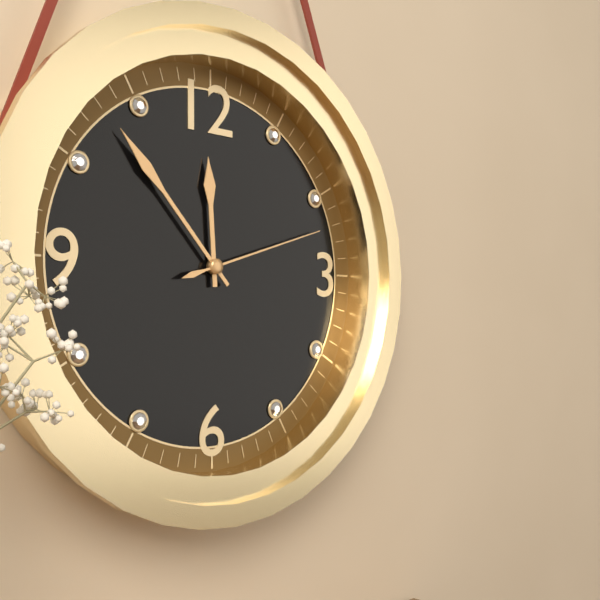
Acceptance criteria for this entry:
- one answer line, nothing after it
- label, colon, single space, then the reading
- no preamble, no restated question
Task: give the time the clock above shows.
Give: 11:53:12
